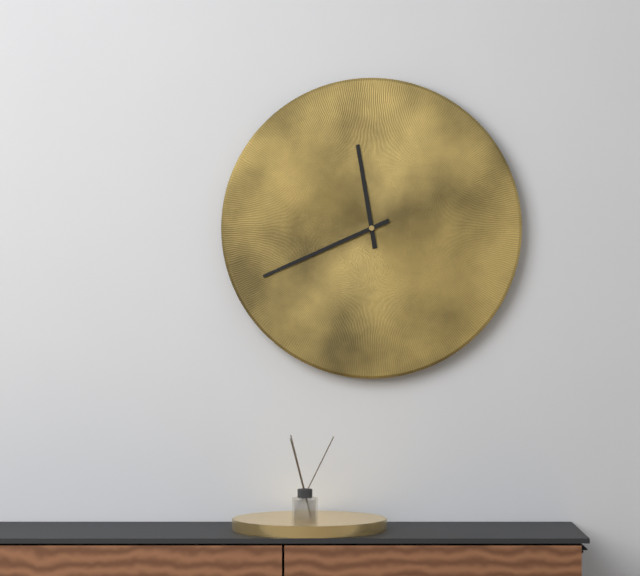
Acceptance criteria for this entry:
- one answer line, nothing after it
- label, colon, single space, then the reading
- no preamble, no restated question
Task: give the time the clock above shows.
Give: 11:41
